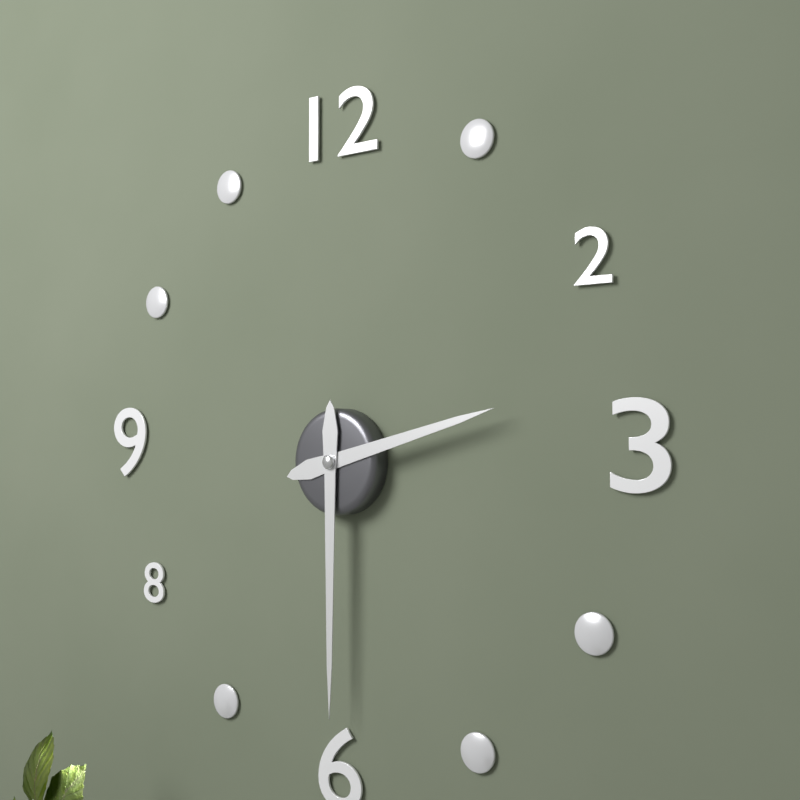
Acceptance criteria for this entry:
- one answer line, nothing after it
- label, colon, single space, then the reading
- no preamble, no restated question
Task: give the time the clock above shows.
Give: 2:30
